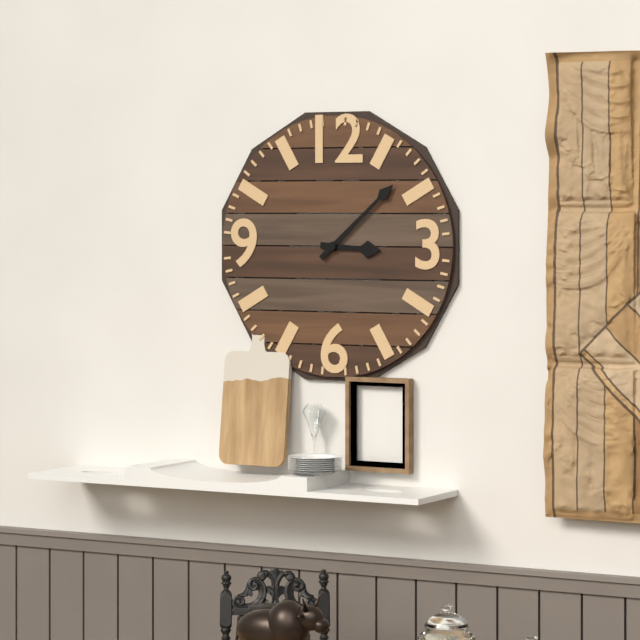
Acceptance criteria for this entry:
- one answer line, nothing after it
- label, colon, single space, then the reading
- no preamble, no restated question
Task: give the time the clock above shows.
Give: 3:08
